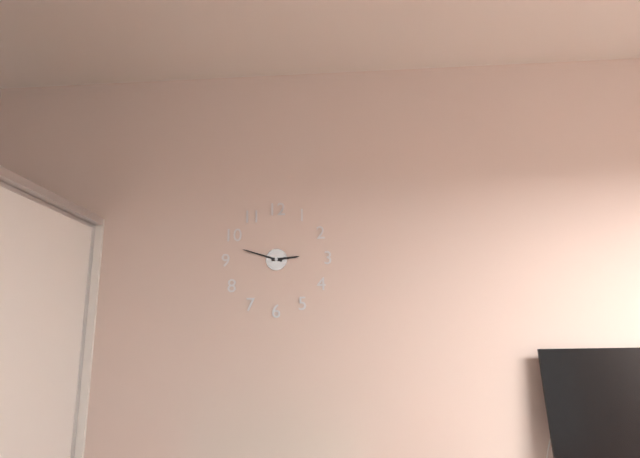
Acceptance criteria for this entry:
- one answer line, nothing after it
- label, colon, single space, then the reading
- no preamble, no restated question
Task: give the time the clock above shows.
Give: 2:48
